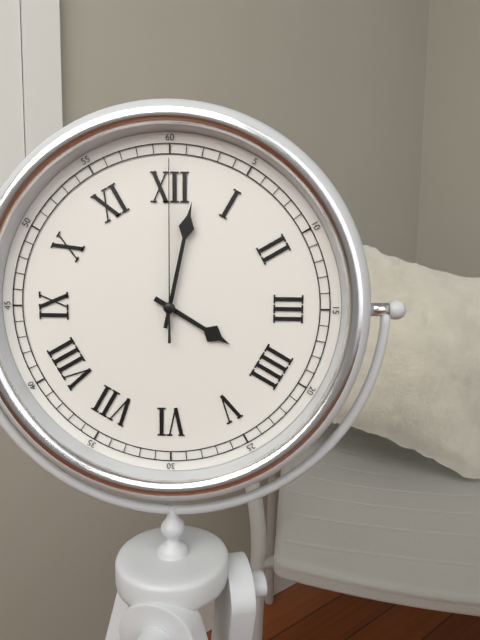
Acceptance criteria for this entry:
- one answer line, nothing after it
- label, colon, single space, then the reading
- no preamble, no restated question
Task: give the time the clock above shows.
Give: 4:02:00
